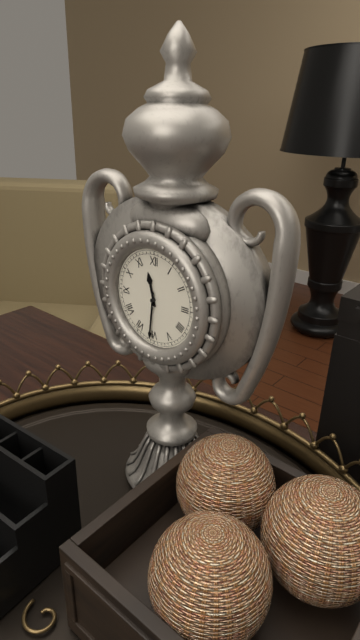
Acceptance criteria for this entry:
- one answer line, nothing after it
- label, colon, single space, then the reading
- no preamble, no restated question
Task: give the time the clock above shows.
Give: 11:31
